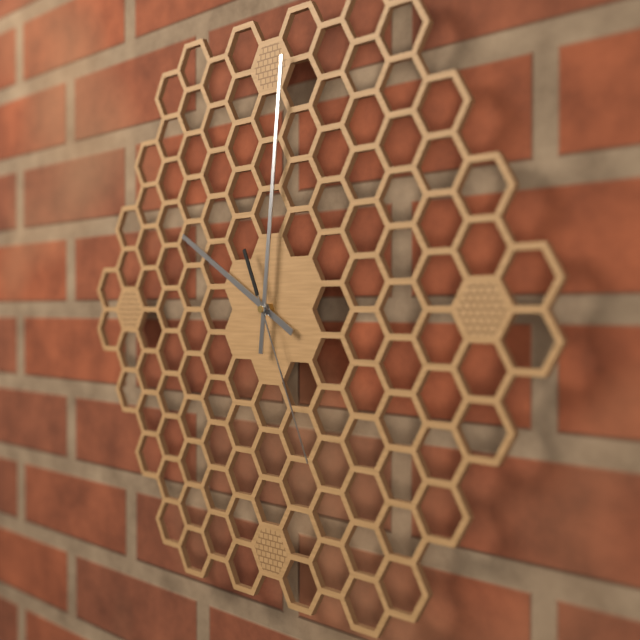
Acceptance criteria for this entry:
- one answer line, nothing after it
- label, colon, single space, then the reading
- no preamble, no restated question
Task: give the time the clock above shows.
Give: 10:01:26
